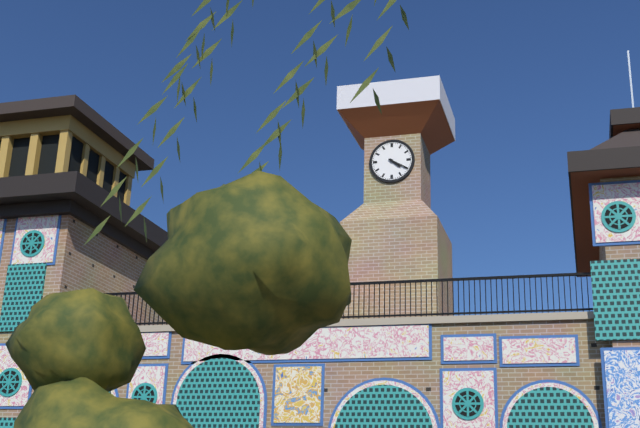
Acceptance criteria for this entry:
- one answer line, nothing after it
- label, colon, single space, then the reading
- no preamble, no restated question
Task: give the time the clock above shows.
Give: 4:20
